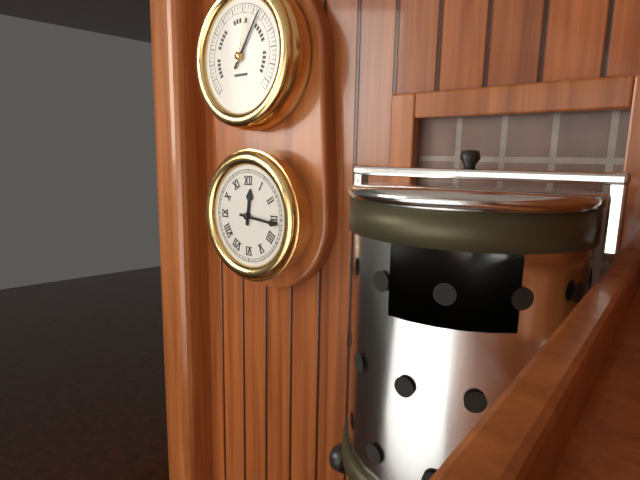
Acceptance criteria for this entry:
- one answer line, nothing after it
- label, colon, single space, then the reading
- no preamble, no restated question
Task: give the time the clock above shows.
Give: 12:16
